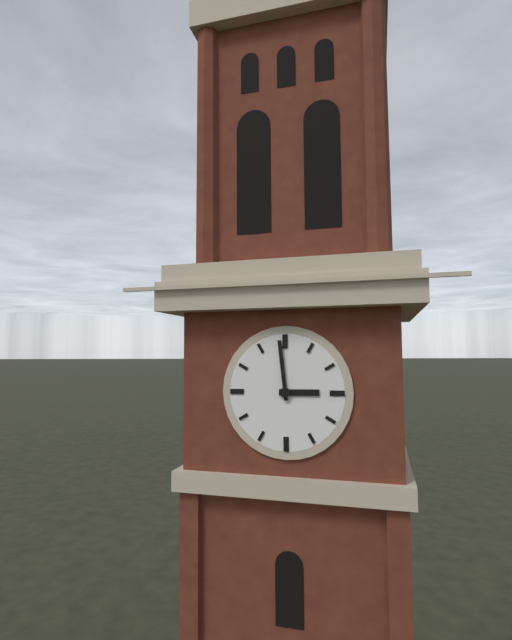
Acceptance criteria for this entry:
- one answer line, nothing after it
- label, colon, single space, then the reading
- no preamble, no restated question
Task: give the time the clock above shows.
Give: 2:59
